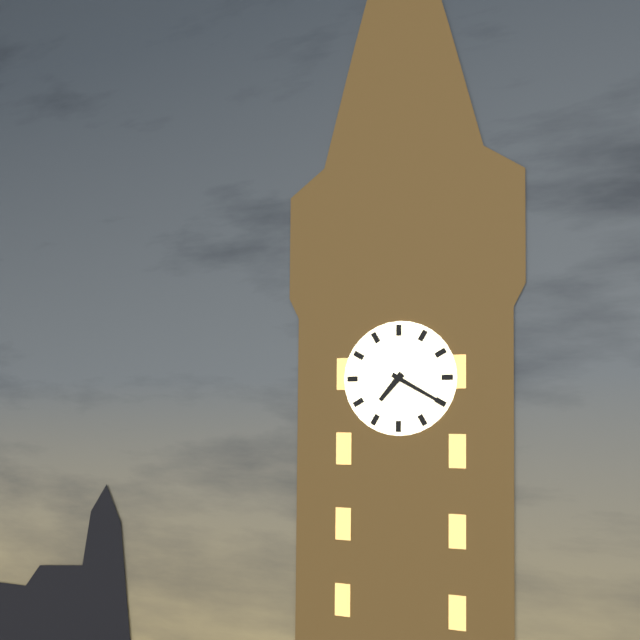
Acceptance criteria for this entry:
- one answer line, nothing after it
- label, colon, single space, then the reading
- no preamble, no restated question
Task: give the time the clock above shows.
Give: 7:20
